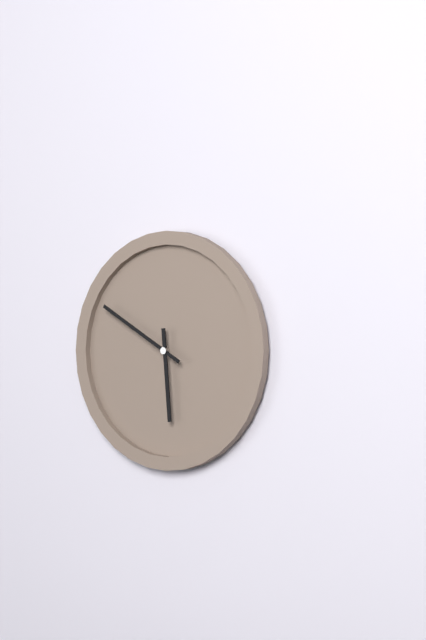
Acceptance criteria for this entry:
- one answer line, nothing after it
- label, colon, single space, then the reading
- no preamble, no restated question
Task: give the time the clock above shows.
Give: 5:50
